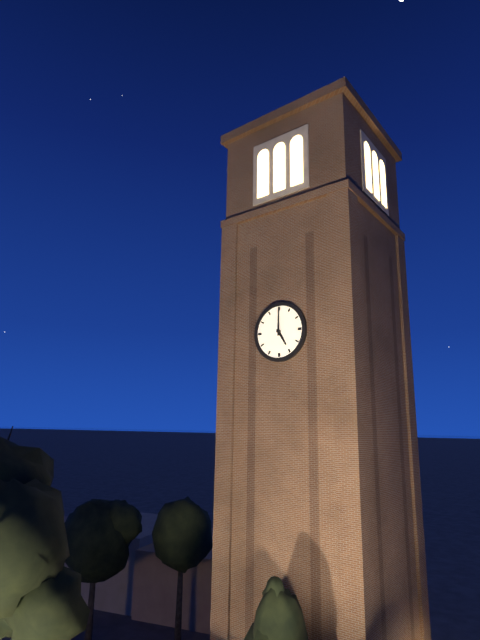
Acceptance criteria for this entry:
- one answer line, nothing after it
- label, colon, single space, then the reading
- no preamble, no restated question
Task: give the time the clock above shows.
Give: 5:00
